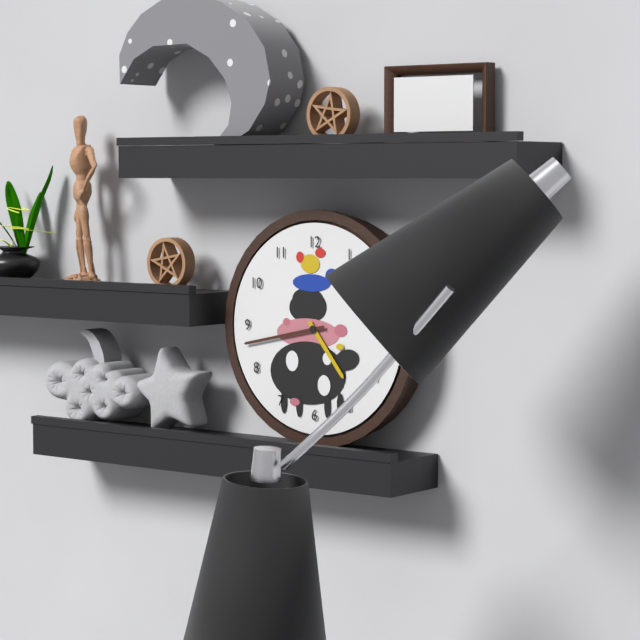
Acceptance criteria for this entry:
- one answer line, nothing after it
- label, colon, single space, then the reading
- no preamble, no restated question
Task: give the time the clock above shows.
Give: 4:43
